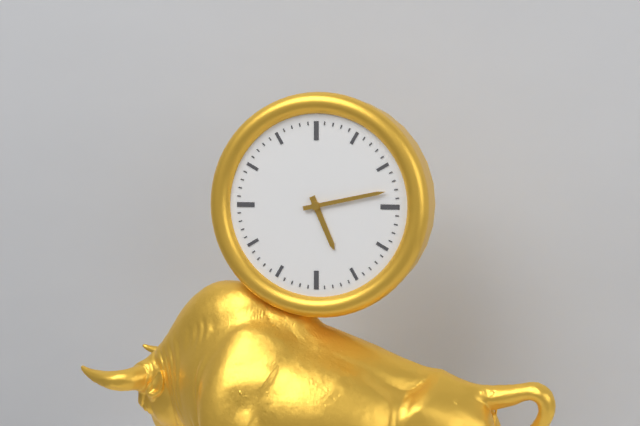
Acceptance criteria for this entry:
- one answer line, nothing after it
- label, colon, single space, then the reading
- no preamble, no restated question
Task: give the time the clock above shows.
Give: 5:13
